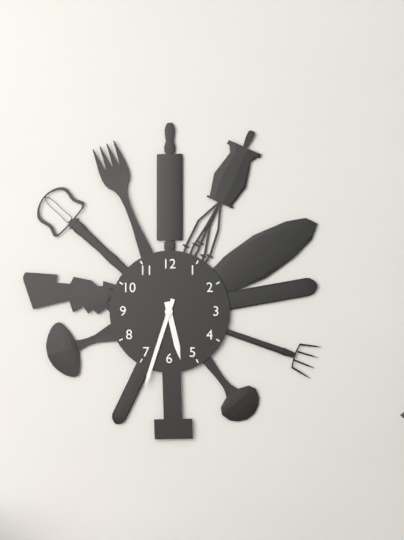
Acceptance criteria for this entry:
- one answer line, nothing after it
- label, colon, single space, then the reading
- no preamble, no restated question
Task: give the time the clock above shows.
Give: 5:33
